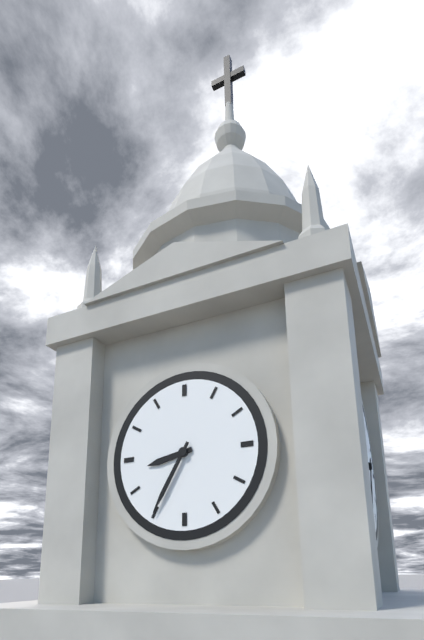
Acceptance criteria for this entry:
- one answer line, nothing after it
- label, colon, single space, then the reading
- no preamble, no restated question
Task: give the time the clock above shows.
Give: 8:35
